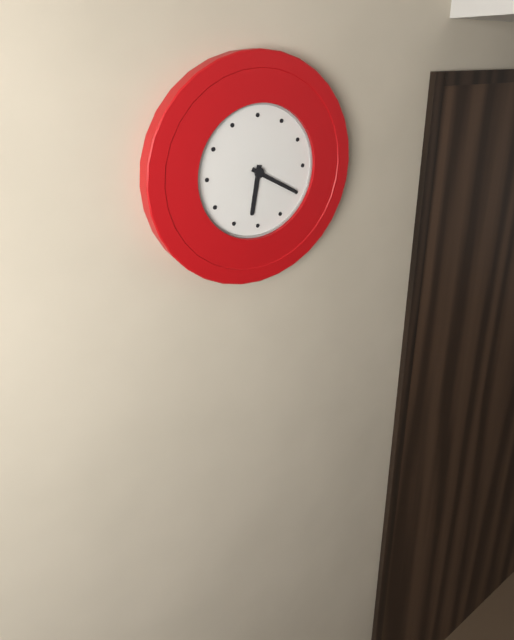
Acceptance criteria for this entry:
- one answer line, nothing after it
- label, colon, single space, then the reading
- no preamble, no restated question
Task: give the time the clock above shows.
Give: 6:20
